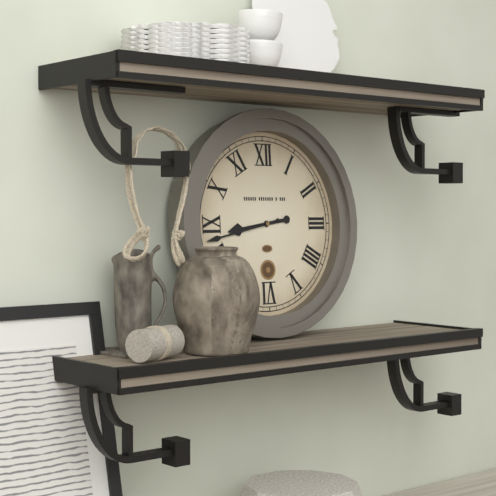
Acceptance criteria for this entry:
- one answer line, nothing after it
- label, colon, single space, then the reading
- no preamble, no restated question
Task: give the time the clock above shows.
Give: 8:43
